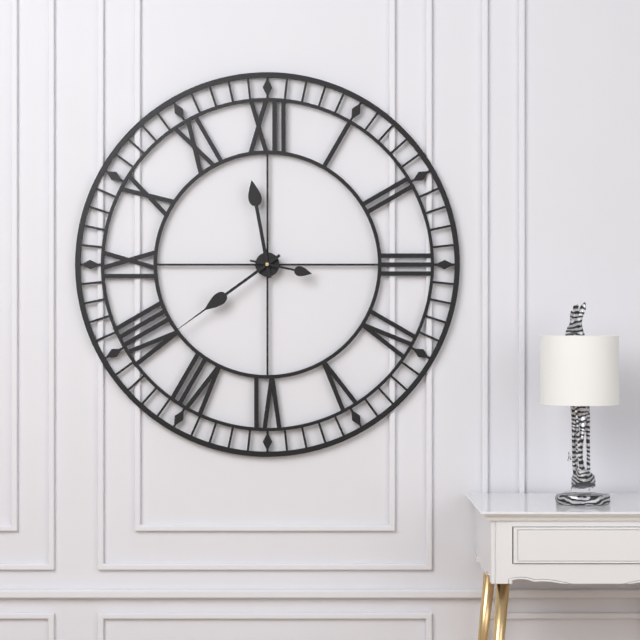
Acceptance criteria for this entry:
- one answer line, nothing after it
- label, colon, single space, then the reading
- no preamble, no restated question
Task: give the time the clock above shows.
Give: 11:39:17
